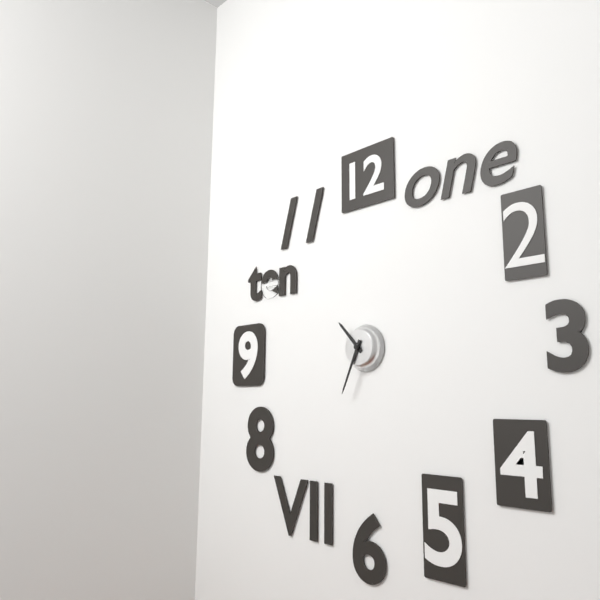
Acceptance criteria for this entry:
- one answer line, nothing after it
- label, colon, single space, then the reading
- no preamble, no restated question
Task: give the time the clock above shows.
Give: 10:34
